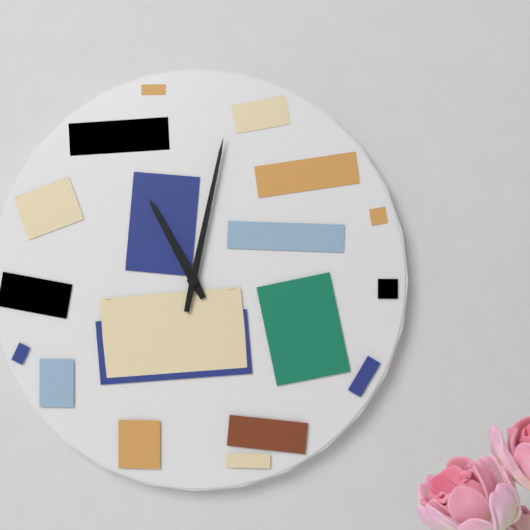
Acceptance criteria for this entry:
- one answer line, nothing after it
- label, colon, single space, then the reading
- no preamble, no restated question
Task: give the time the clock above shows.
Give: 11:02
